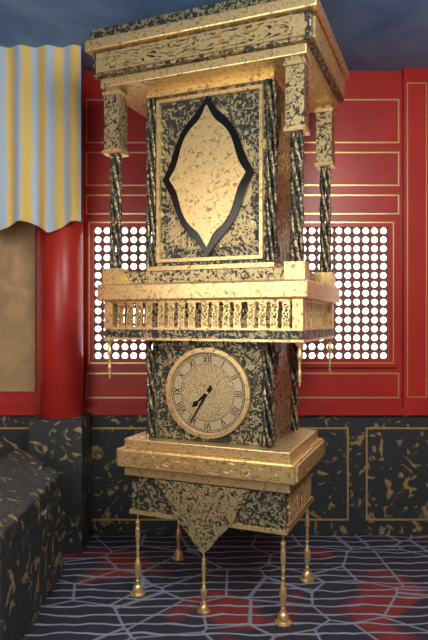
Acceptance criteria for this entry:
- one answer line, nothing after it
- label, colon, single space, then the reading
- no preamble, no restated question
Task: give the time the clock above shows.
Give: 7:35
